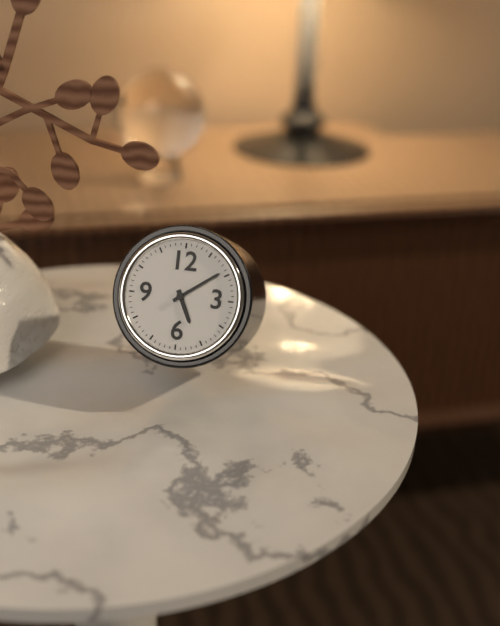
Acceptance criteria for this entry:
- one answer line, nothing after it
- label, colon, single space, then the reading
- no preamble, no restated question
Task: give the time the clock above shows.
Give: 5:09
